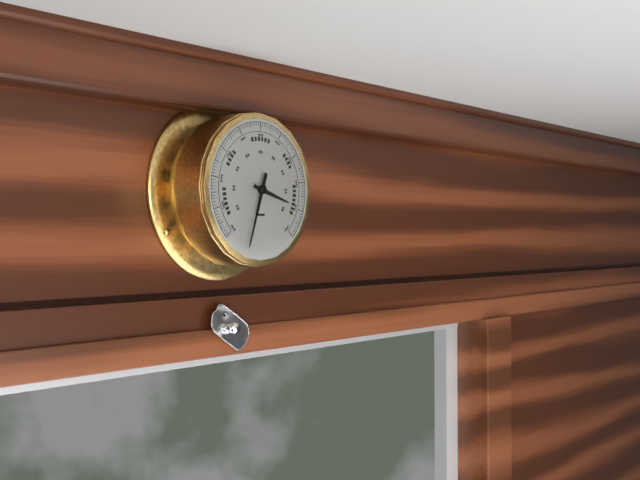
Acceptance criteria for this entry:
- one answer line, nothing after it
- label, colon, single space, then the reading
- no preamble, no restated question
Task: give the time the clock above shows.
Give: 3:33
